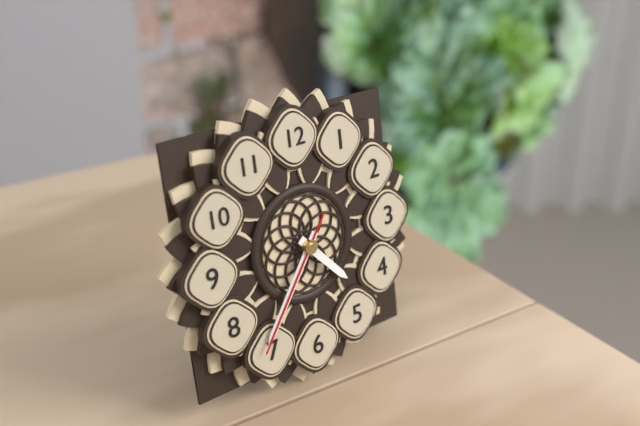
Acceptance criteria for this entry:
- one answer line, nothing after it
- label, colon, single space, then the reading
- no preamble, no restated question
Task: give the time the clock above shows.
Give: 4:36:36
